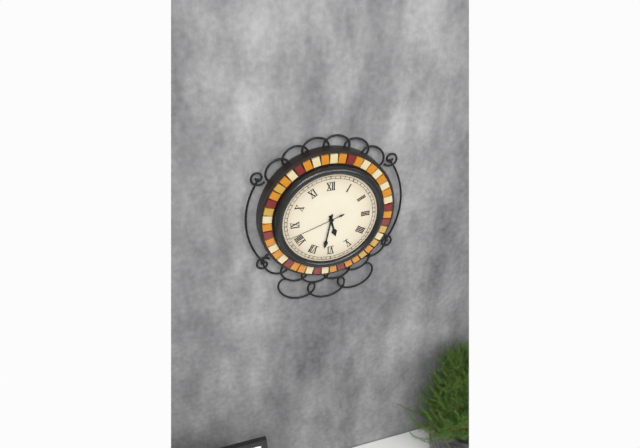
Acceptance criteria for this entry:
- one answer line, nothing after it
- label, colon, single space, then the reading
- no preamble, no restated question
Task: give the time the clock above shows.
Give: 5:32:42
